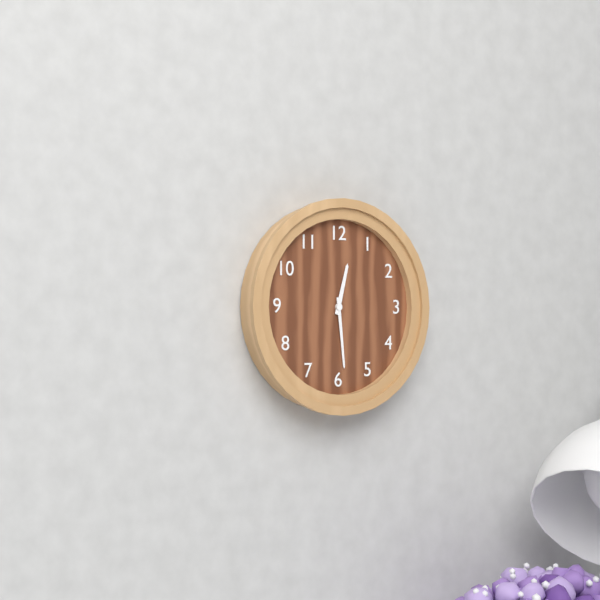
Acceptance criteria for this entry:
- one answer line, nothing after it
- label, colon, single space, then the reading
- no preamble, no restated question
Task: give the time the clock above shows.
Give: 12:29
